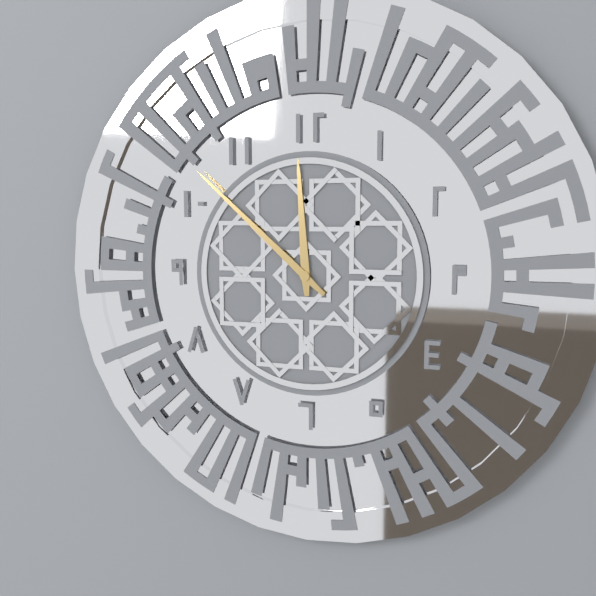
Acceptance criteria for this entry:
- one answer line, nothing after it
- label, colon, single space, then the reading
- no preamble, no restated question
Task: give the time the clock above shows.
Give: 11:52
